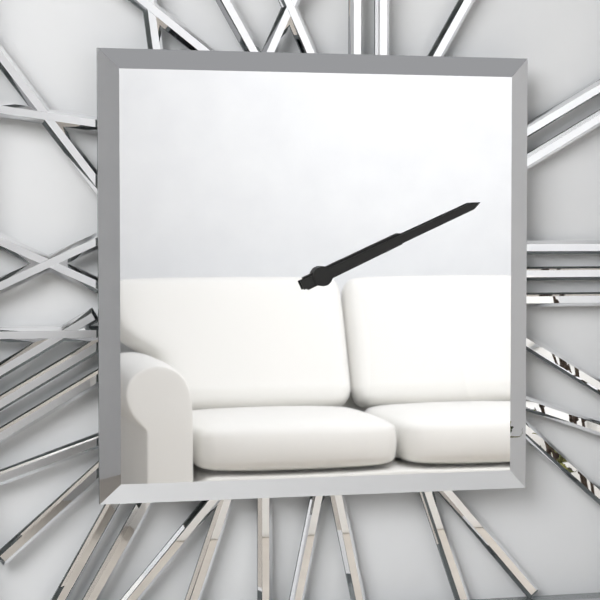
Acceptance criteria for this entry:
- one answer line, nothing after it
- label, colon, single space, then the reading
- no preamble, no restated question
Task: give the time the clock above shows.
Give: 2:11
